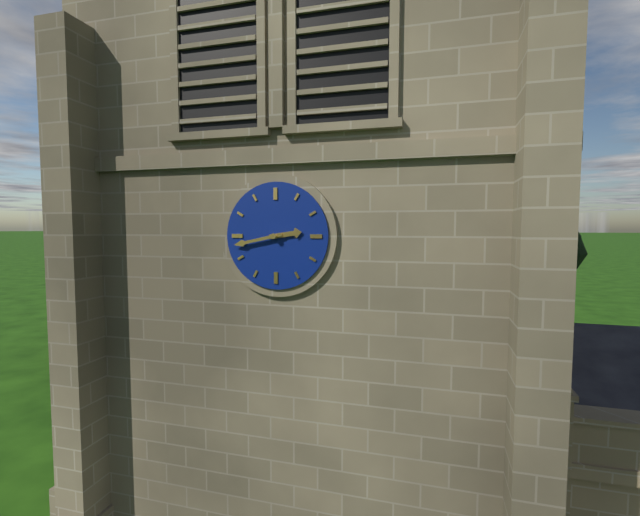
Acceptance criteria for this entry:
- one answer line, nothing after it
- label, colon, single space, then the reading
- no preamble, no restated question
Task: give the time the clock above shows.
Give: 2:43
